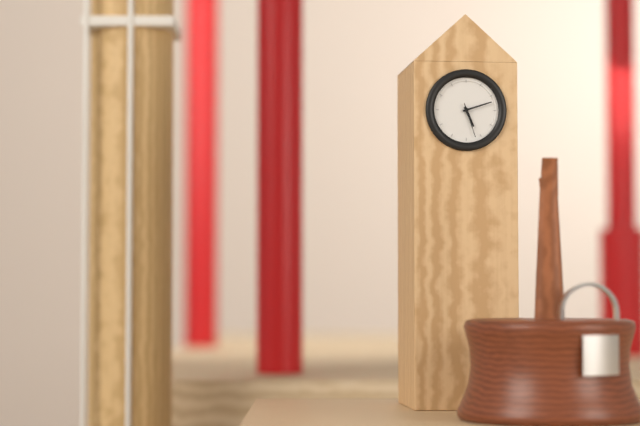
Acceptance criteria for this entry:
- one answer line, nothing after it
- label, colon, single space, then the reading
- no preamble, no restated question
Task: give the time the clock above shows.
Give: 5:12
